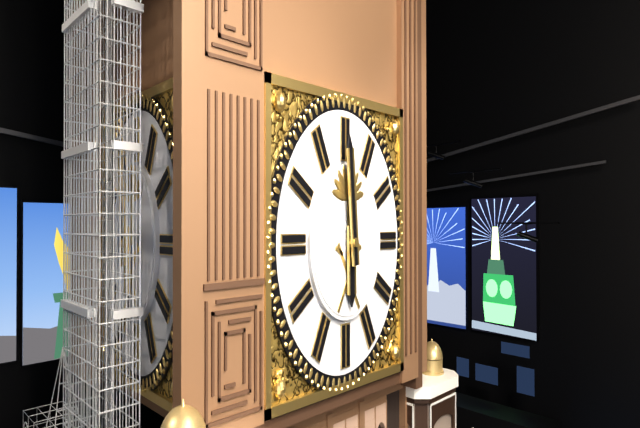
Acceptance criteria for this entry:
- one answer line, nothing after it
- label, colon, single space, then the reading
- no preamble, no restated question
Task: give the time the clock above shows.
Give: 5:59
